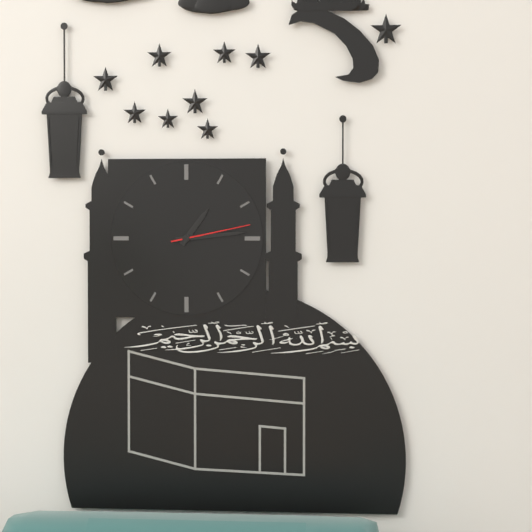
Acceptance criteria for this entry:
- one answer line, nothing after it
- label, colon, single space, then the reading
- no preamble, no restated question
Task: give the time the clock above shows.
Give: 1:14:13
